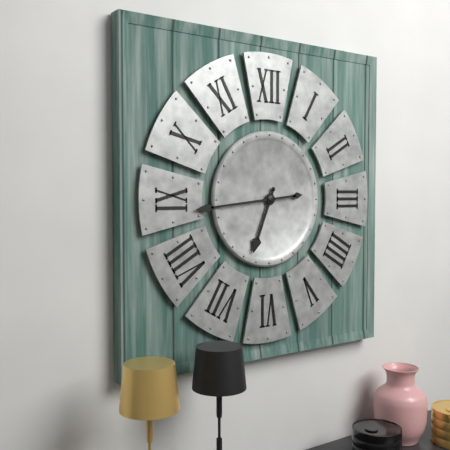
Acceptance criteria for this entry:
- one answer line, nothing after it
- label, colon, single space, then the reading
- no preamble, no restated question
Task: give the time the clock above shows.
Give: 6:44
